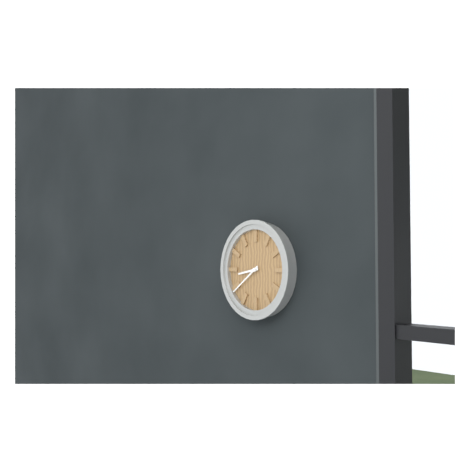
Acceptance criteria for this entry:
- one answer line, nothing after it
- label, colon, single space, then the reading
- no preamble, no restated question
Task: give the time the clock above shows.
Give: 8:39
